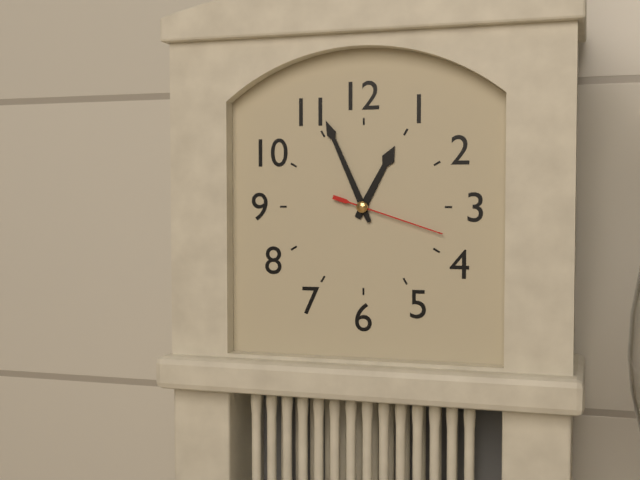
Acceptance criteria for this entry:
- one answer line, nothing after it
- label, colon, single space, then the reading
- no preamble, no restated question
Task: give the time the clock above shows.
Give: 12:56:18
